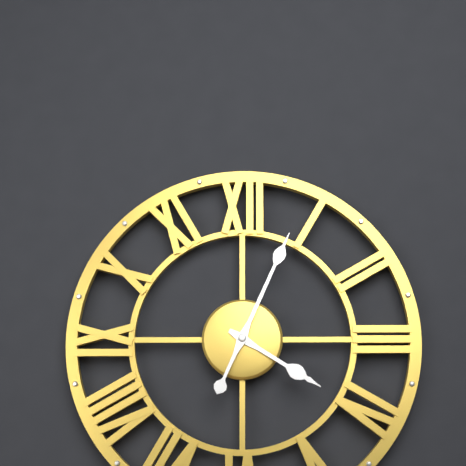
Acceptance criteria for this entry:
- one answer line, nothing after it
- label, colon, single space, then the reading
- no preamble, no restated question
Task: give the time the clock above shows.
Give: 4:04
